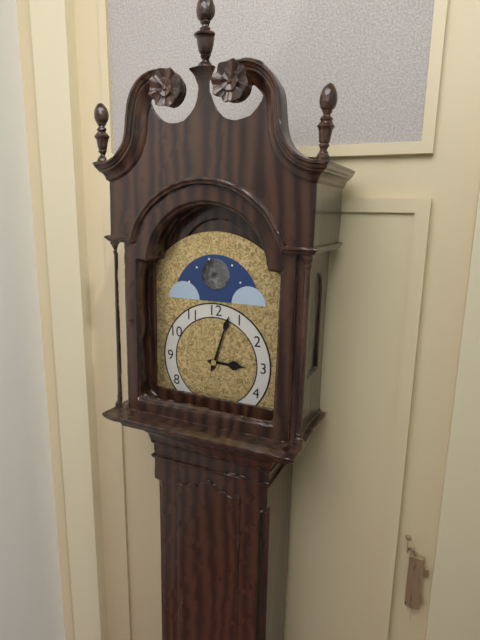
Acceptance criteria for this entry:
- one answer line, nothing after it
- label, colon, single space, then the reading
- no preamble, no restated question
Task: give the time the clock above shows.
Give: 3:03
